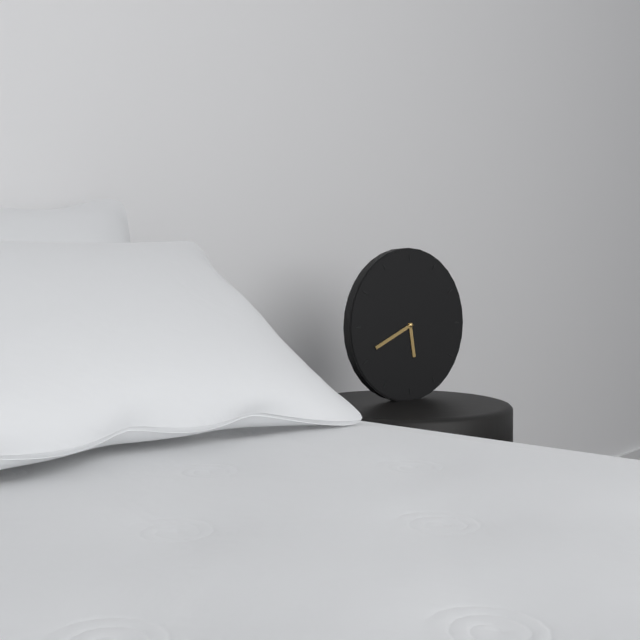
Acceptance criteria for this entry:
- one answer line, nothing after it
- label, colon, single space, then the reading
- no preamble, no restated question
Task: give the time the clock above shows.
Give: 5:41
